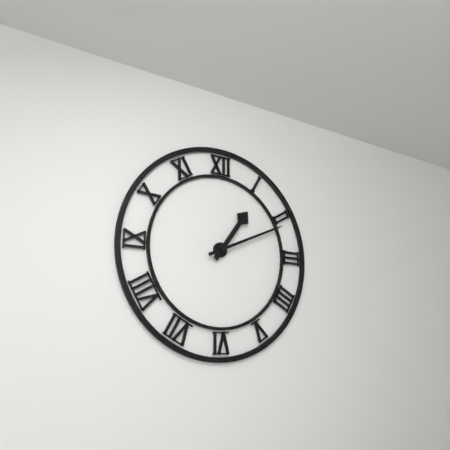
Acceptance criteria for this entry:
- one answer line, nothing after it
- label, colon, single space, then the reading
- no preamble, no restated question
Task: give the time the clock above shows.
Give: 1:11
